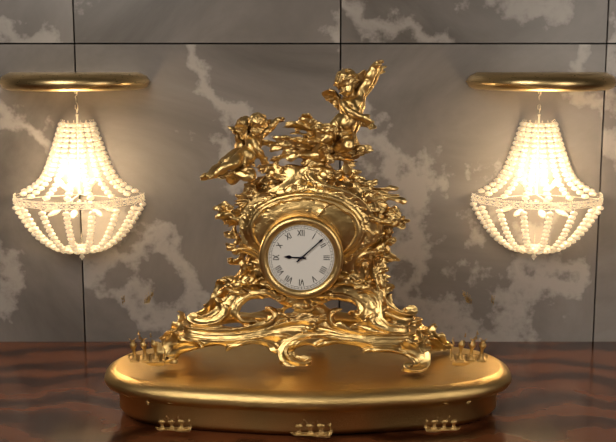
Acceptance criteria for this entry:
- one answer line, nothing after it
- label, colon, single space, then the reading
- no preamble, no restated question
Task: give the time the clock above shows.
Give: 9:08
